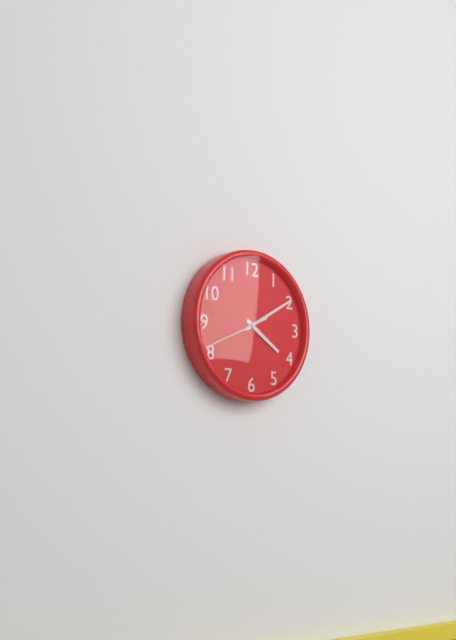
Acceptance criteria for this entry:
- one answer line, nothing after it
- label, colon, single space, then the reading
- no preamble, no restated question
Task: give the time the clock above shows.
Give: 4:10:41
